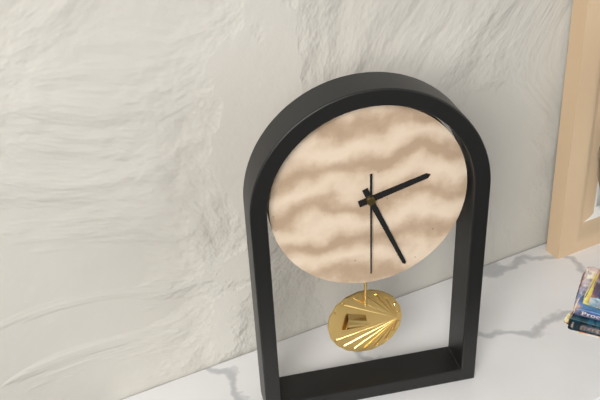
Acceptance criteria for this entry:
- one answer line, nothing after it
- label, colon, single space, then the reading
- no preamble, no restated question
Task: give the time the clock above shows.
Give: 2:26:30
